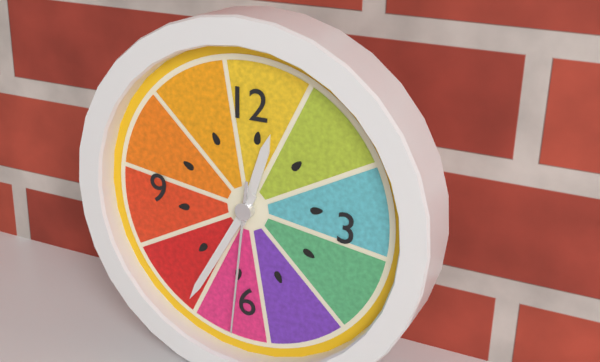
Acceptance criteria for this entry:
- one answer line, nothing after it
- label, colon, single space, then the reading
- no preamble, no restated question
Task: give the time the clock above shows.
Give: 12:35:31
